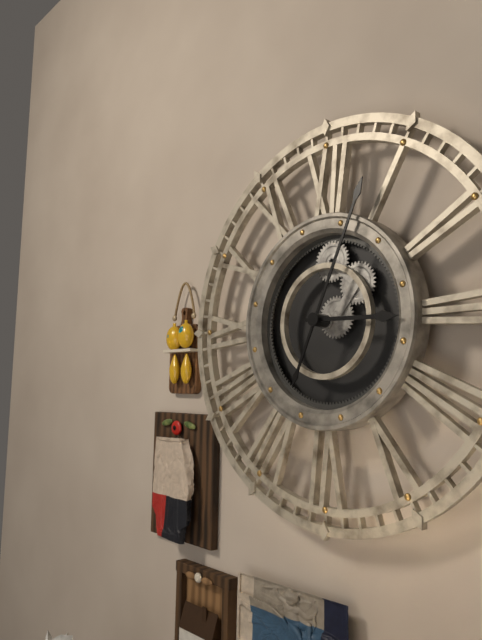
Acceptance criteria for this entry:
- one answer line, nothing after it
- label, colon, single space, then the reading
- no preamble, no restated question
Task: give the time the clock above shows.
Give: 3:04
